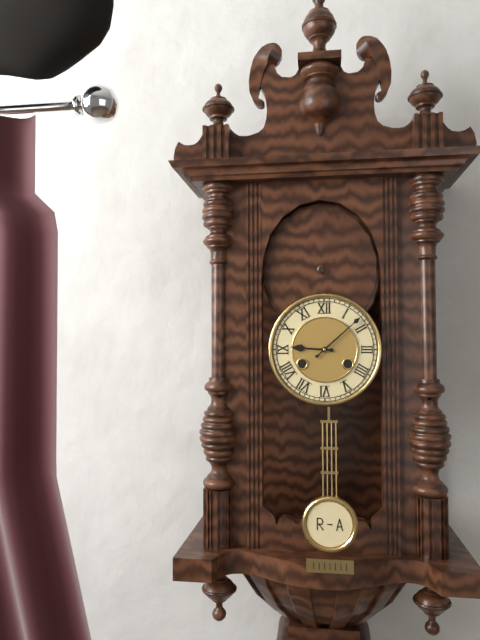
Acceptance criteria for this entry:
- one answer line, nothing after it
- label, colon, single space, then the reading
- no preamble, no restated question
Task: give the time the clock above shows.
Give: 9:08
